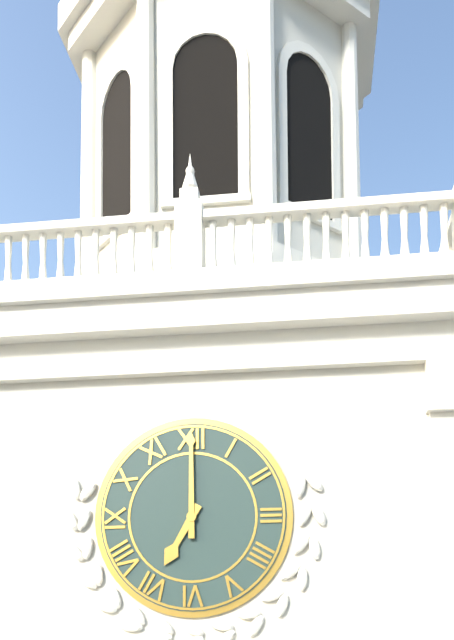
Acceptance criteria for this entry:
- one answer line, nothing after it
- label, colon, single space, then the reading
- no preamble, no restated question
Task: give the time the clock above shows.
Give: 7:00
